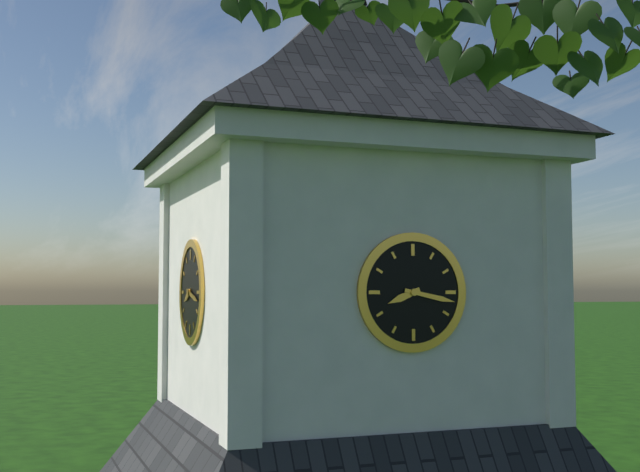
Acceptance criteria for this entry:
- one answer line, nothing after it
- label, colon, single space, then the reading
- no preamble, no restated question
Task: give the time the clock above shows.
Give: 8:17
